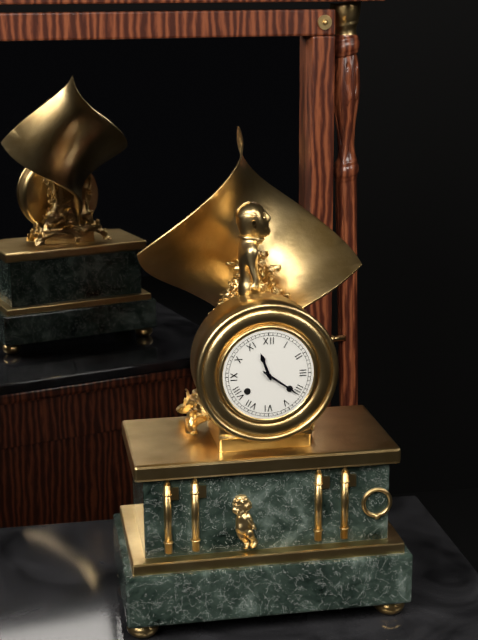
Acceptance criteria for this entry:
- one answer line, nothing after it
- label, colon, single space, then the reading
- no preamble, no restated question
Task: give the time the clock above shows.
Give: 11:21
